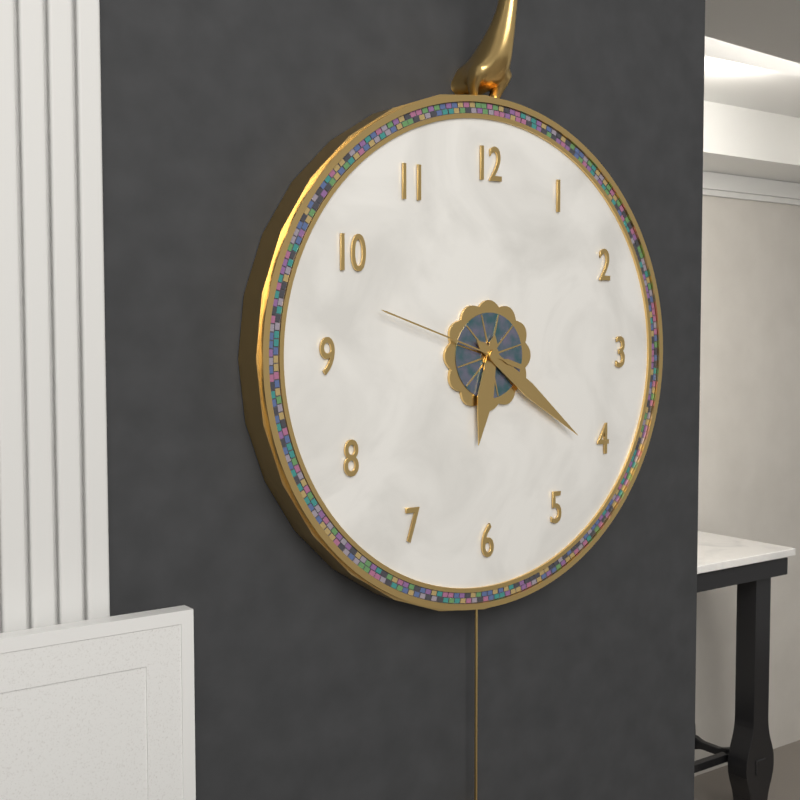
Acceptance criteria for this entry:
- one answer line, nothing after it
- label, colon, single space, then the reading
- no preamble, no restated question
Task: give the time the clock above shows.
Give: 6:21:48
